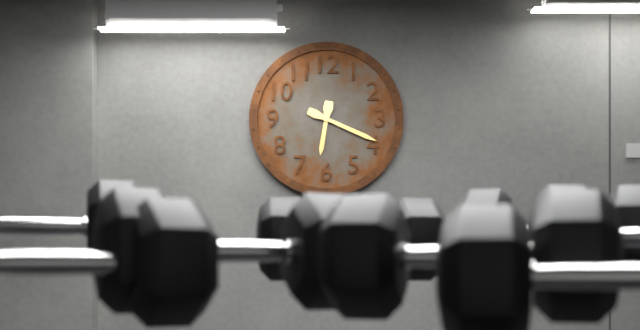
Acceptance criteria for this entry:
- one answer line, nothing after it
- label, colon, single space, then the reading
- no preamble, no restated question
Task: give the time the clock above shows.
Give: 6:19
